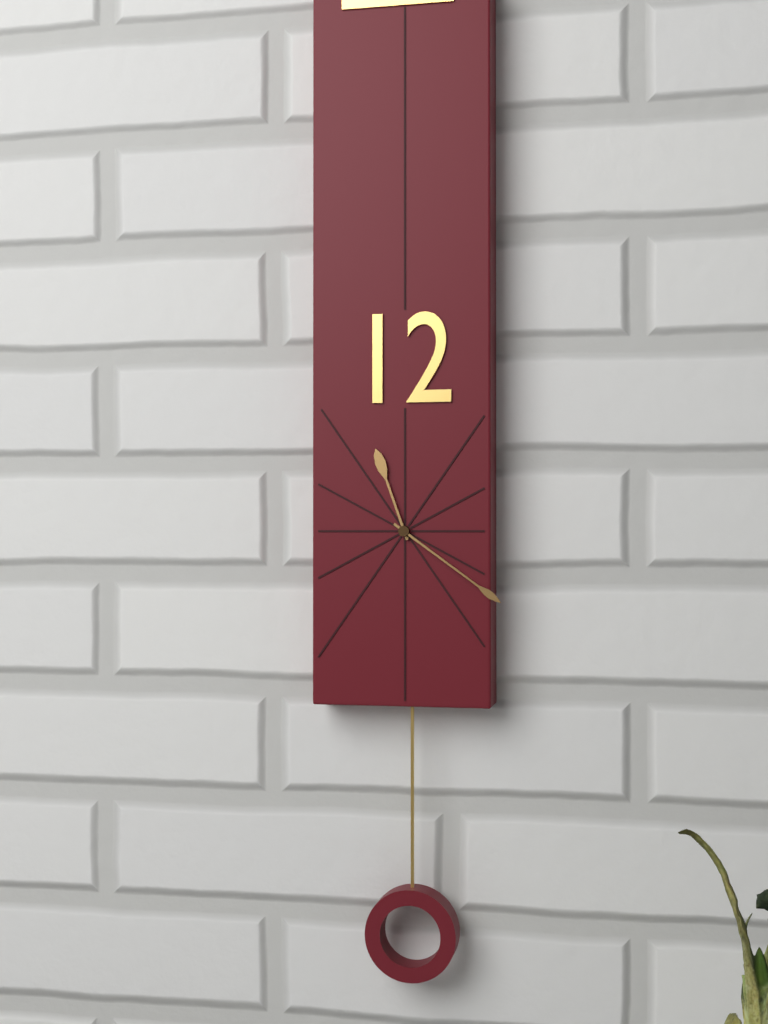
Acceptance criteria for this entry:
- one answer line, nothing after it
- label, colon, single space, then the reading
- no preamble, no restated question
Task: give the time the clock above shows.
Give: 11:21
